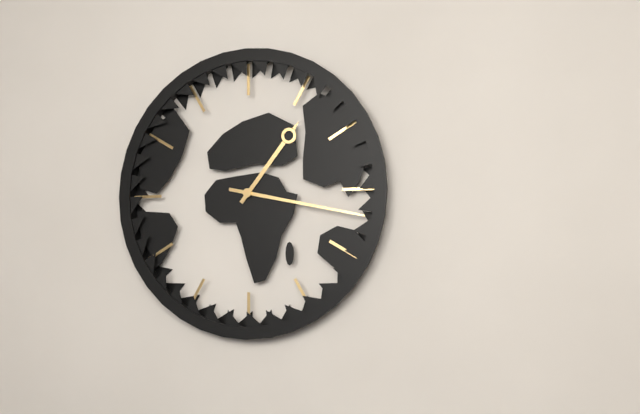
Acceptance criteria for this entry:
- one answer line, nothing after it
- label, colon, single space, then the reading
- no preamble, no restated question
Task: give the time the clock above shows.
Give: 1:17
